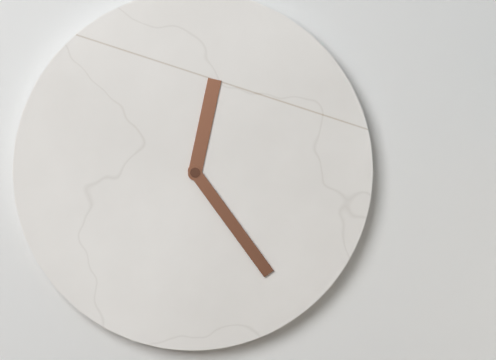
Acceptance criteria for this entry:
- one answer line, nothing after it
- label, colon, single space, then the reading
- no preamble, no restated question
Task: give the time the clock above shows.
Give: 12:24
